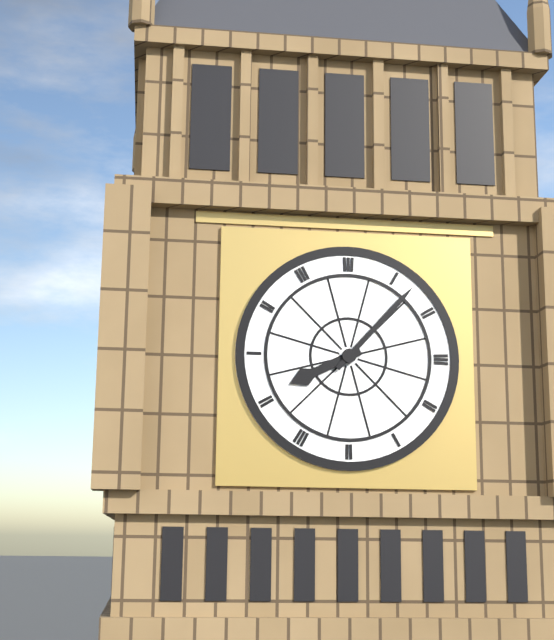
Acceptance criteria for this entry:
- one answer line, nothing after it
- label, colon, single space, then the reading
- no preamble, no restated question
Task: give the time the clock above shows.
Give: 8:07
